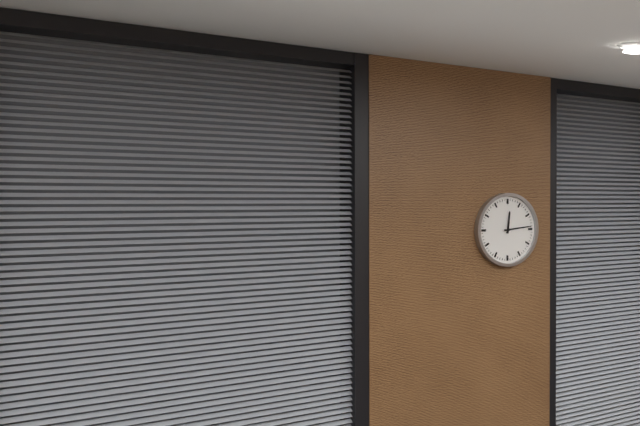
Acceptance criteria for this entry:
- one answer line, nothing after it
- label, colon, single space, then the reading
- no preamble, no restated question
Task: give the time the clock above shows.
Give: 12:14
